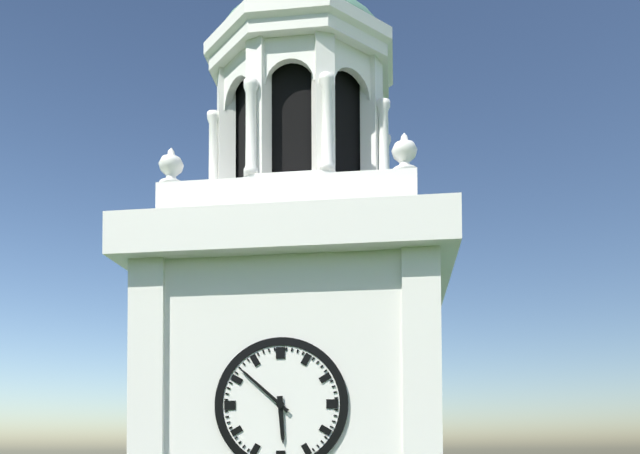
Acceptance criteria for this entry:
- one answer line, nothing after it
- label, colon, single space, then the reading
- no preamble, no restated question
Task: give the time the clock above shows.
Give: 5:52
